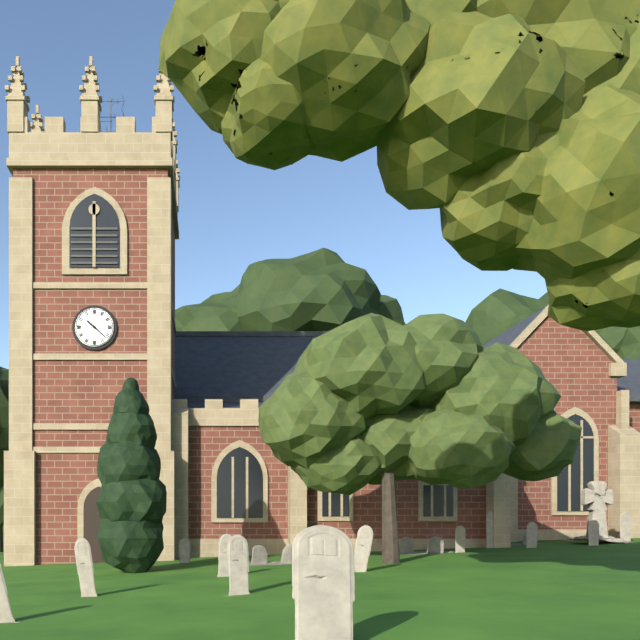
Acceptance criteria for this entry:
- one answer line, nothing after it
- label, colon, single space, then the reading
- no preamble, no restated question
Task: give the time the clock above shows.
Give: 10:22
